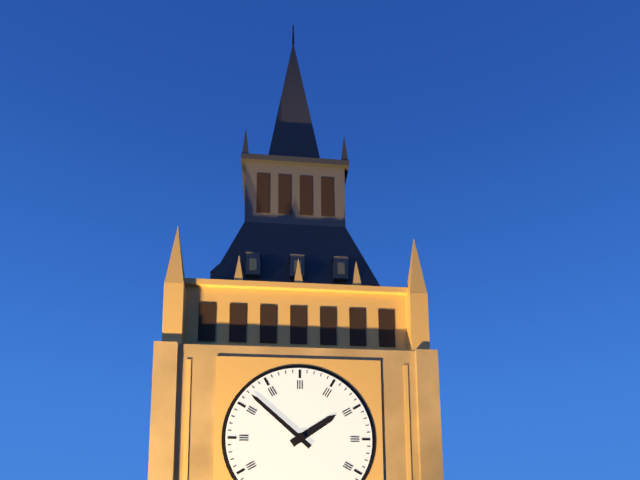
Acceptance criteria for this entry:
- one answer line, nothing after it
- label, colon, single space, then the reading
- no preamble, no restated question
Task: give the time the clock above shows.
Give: 1:52
